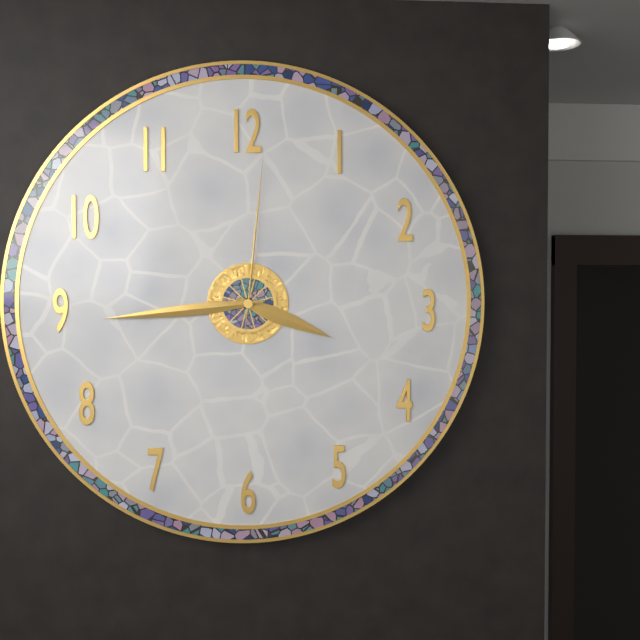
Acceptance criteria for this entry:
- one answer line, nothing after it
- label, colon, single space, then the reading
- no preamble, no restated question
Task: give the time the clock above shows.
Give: 3:44:01
